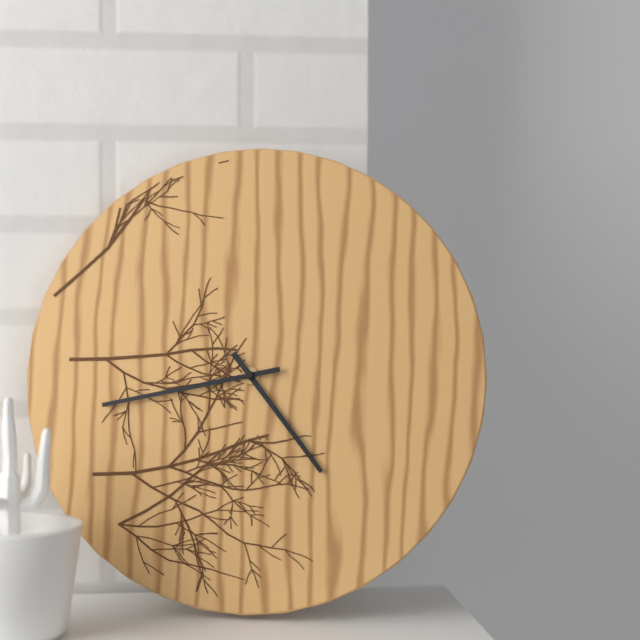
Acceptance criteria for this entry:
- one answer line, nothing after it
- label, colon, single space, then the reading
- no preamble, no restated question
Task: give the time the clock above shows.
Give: 4:43
